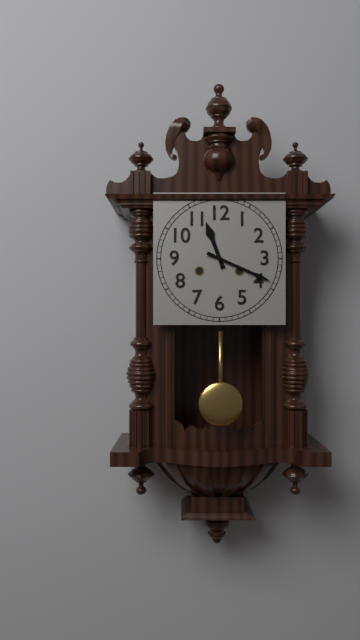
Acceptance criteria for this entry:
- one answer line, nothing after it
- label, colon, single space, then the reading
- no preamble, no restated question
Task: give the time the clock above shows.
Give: 11:19
